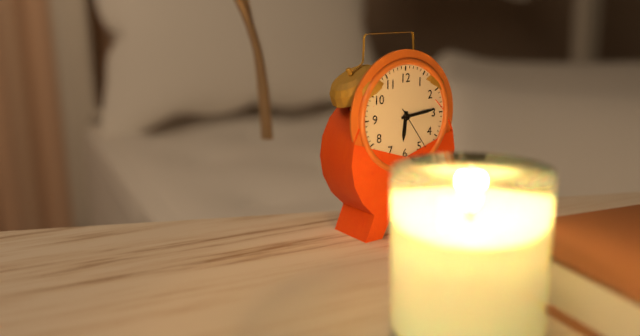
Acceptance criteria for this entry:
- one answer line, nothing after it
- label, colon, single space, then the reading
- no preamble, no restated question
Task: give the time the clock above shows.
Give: 6:14
